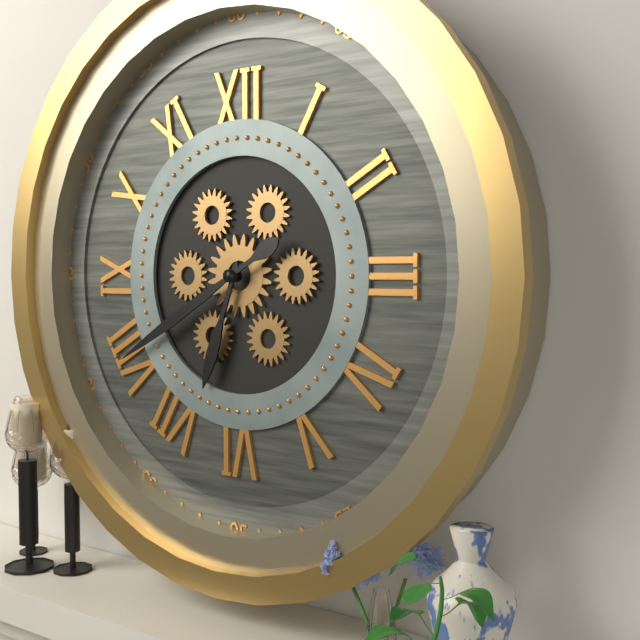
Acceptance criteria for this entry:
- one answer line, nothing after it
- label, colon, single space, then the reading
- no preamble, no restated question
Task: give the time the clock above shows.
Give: 6:40
